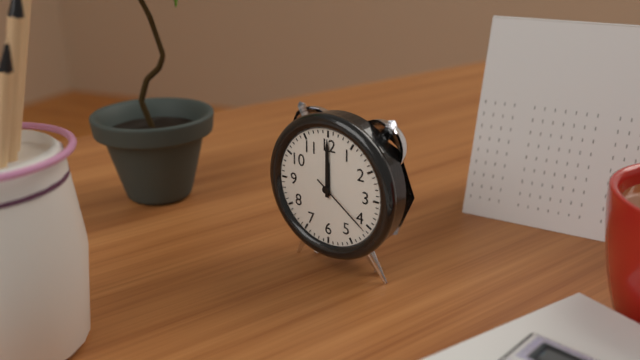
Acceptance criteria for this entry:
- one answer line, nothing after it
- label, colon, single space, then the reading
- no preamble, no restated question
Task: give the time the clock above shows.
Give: 12:00:21
